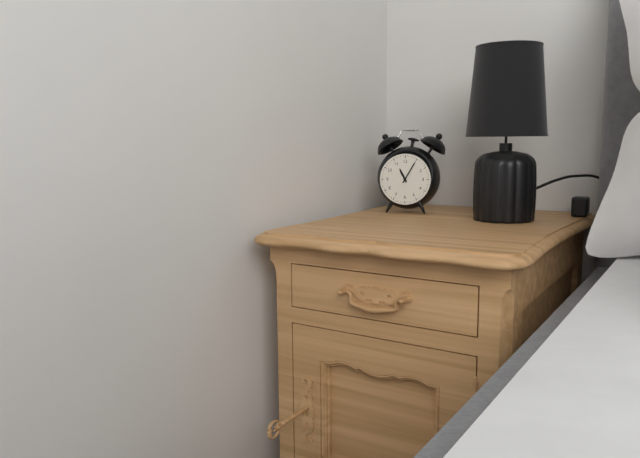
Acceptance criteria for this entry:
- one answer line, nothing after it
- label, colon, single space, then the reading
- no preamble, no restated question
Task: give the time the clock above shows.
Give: 11:05
